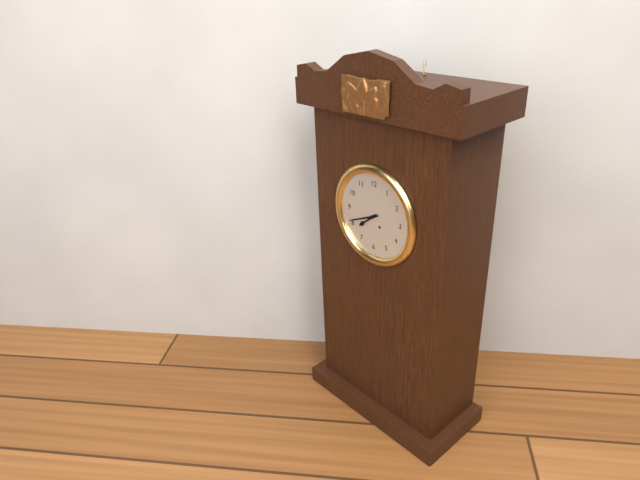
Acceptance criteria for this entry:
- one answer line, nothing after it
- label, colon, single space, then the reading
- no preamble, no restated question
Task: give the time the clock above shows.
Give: 7:41
